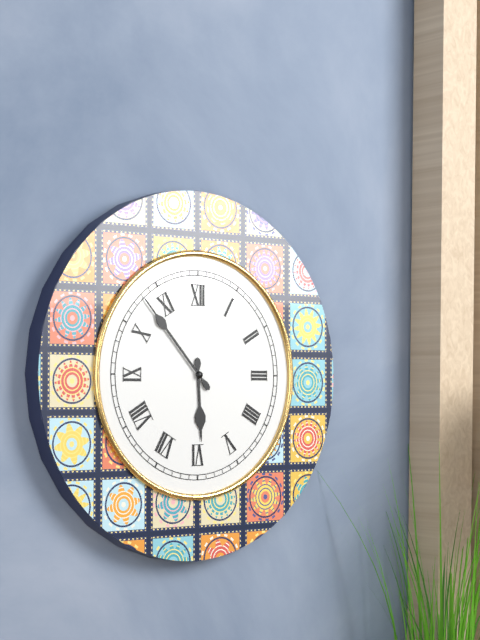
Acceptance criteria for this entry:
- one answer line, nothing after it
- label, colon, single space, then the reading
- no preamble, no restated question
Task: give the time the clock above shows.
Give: 5:53
